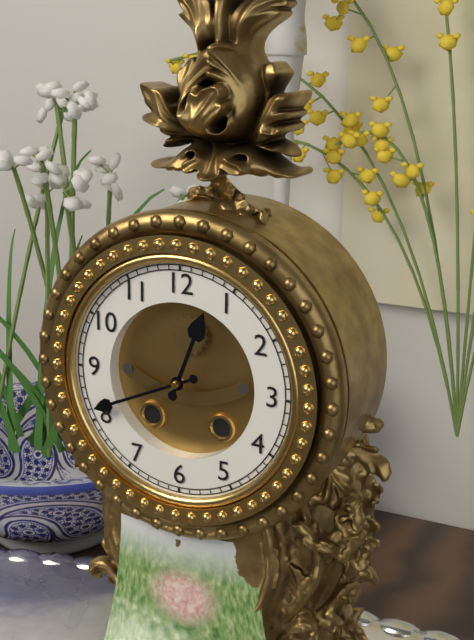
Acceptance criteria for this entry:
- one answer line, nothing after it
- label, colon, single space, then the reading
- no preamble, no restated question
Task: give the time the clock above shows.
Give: 12:41
